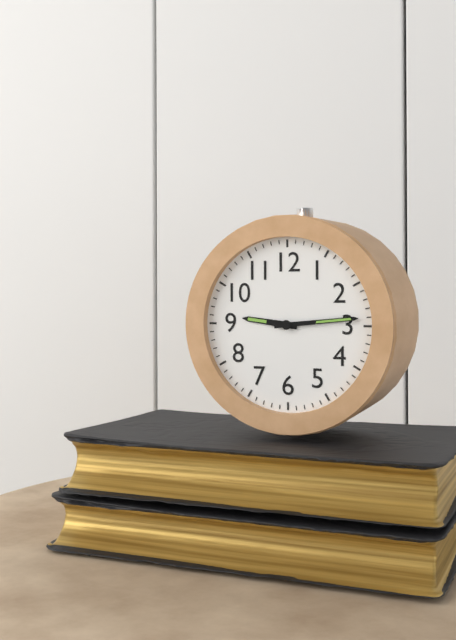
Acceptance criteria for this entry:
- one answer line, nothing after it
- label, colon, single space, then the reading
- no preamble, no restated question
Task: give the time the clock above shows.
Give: 9:14
